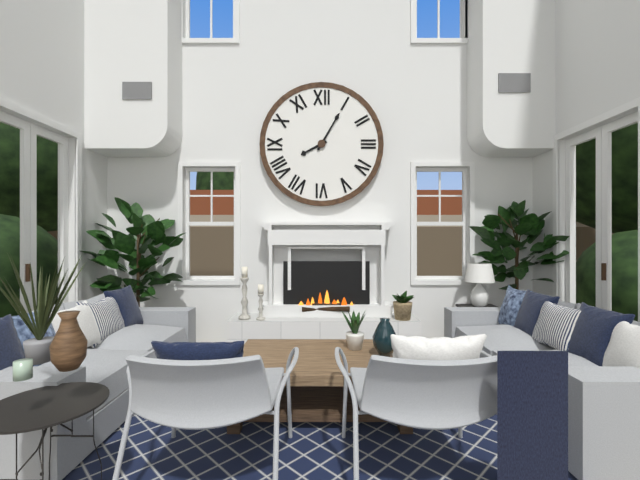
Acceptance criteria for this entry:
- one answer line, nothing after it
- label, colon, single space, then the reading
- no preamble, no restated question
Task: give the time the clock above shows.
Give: 8:05
